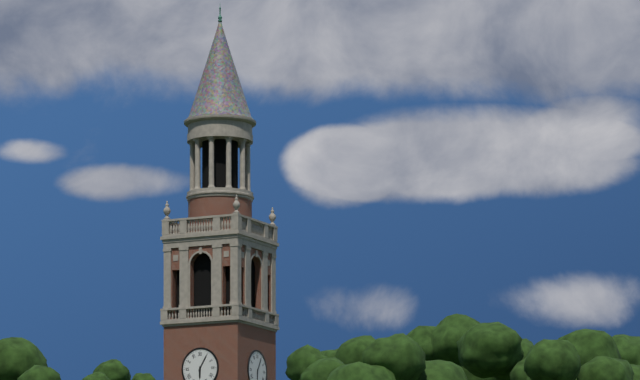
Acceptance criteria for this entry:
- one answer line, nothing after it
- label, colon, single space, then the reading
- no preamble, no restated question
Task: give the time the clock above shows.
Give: 6:05
